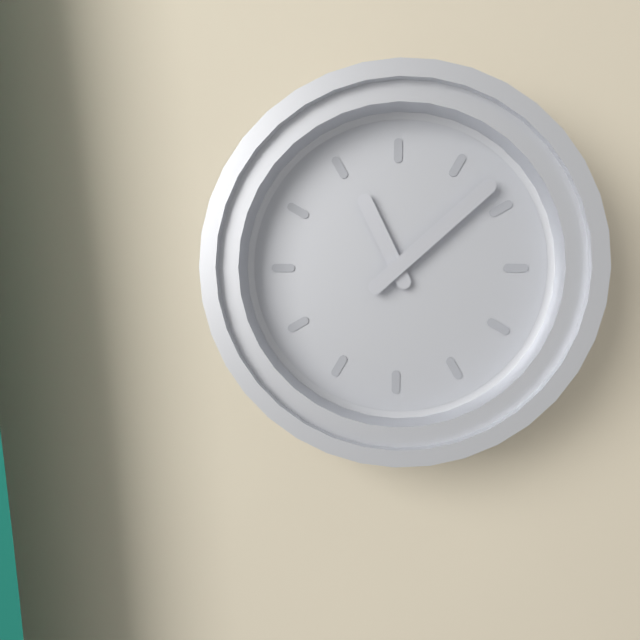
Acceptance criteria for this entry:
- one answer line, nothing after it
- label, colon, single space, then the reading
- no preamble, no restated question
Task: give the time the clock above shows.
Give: 11:08
